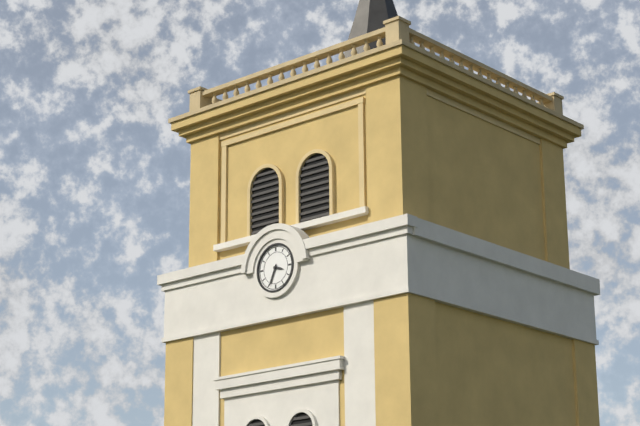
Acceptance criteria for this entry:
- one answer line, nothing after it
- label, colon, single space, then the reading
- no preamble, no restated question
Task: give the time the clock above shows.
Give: 3:34
